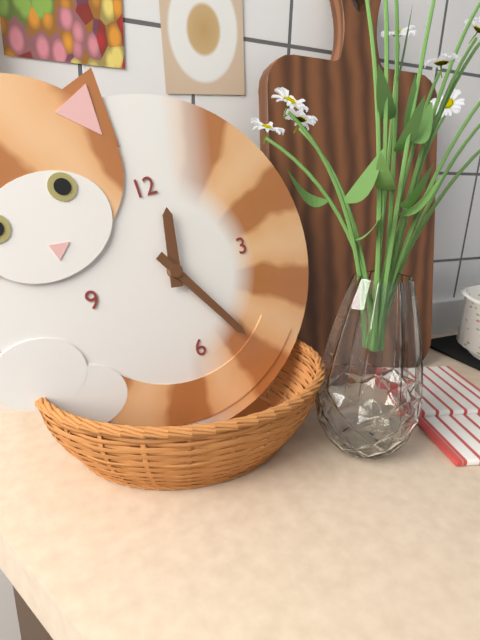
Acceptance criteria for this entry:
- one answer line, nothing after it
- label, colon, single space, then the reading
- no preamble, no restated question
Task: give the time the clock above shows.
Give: 12:25
